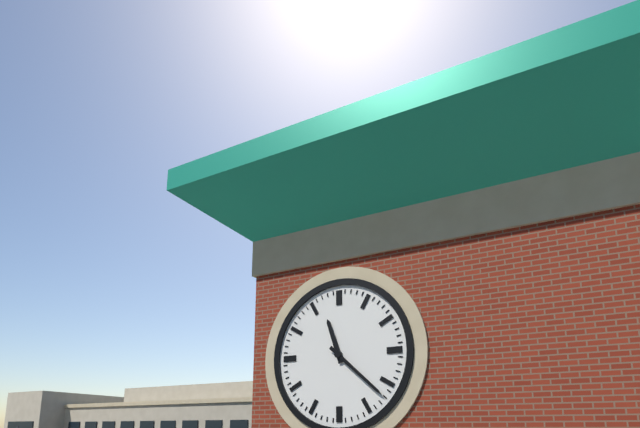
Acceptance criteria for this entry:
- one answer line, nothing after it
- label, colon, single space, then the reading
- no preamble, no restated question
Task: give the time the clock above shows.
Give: 11:22
